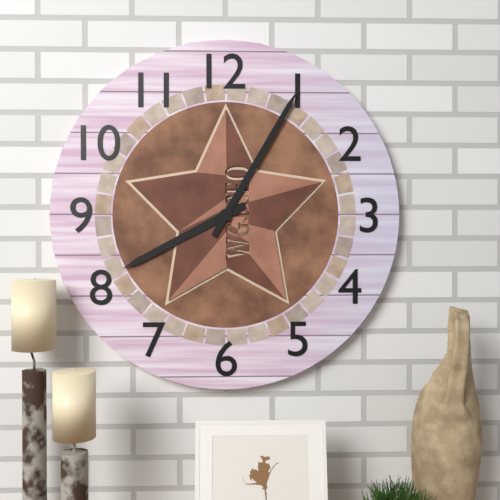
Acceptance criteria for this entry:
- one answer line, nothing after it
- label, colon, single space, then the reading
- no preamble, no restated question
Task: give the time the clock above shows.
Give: 8:05
